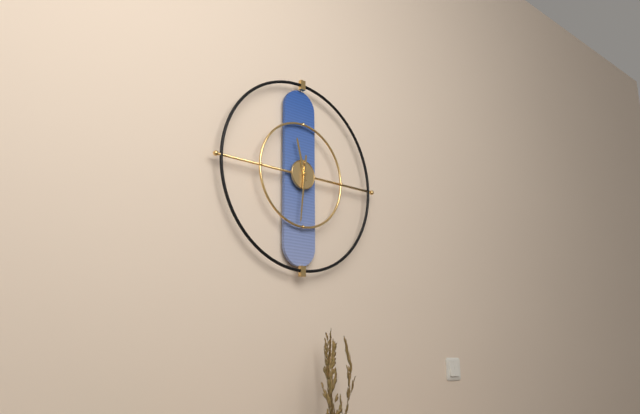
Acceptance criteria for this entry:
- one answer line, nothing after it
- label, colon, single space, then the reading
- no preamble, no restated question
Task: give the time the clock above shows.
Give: 11:31
